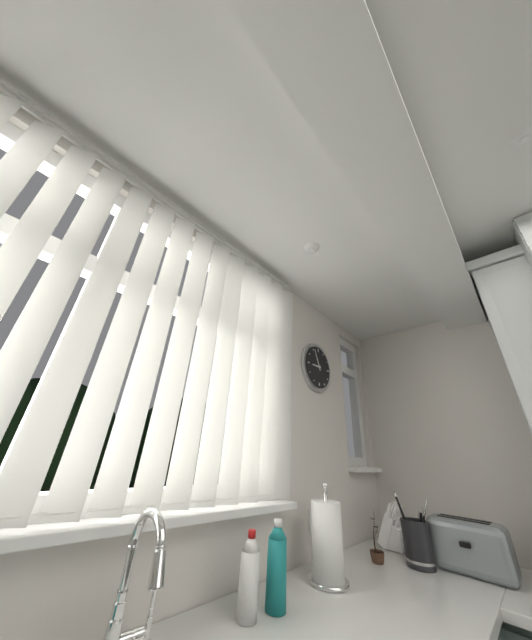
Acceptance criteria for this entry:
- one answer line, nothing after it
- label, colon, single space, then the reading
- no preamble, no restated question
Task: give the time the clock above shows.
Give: 8:56
